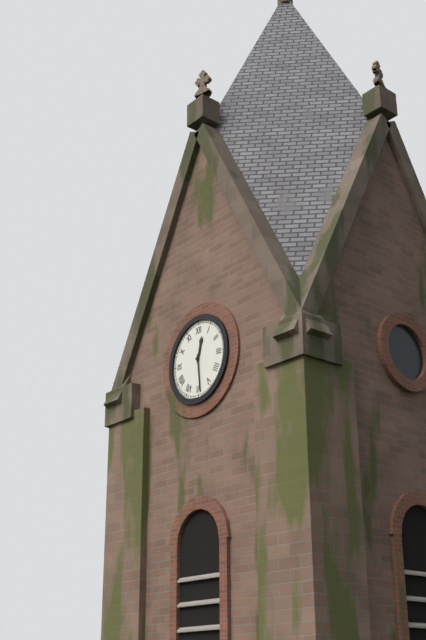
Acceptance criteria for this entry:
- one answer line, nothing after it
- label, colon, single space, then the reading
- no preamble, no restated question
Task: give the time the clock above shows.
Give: 12:29
